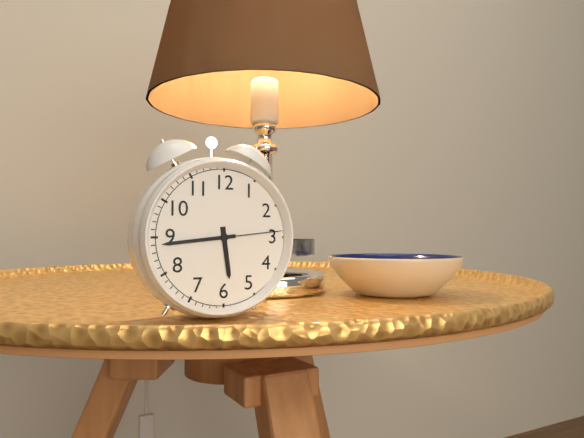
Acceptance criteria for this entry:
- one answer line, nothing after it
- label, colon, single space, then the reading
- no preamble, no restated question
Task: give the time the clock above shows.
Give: 5:44:14
